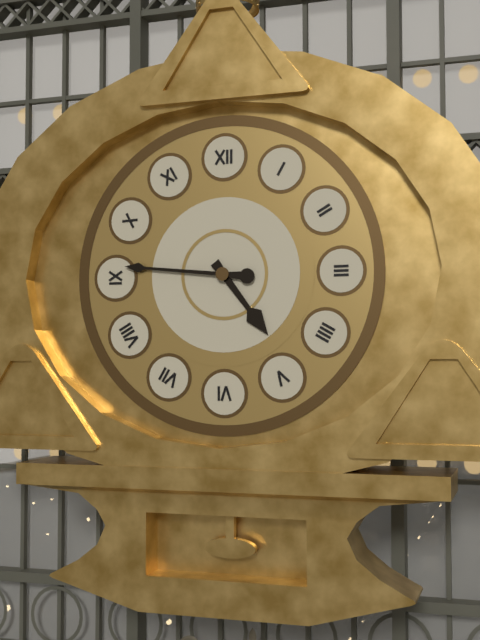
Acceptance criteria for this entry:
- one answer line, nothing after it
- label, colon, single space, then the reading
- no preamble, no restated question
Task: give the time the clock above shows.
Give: 4:46
